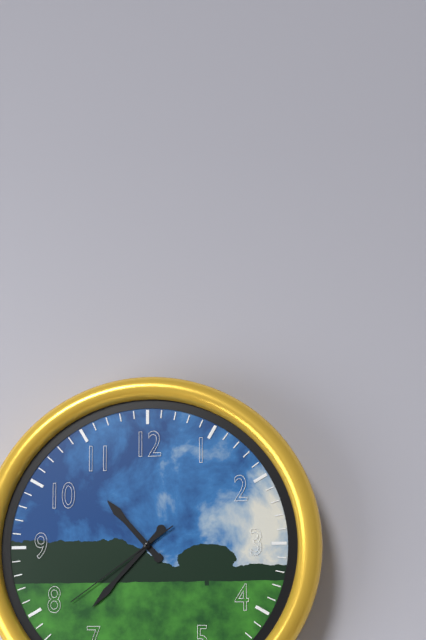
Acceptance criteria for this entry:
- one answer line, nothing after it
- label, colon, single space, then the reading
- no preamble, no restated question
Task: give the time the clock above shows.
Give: 10:37:39
